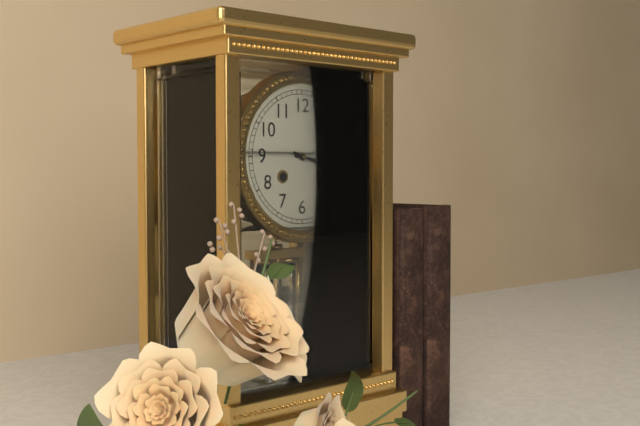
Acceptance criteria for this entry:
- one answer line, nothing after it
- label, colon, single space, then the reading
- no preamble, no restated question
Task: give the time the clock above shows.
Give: 3:18
